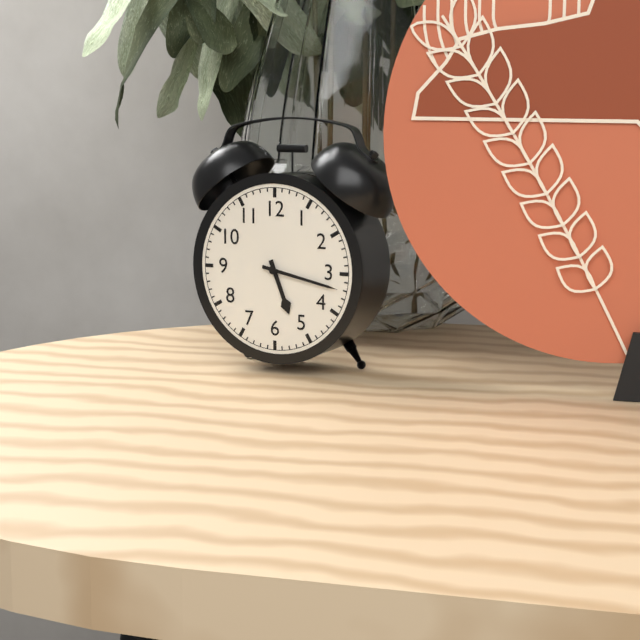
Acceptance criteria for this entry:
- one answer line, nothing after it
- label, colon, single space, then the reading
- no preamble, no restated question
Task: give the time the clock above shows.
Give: 5:17
